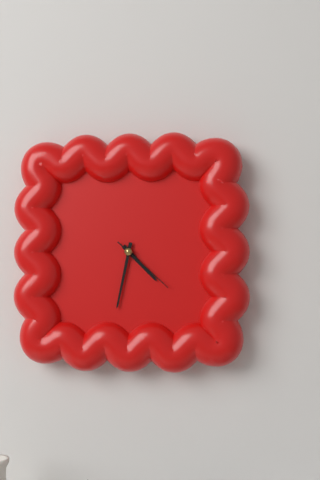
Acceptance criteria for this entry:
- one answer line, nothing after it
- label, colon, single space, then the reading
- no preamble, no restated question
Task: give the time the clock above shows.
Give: 4:32:22
